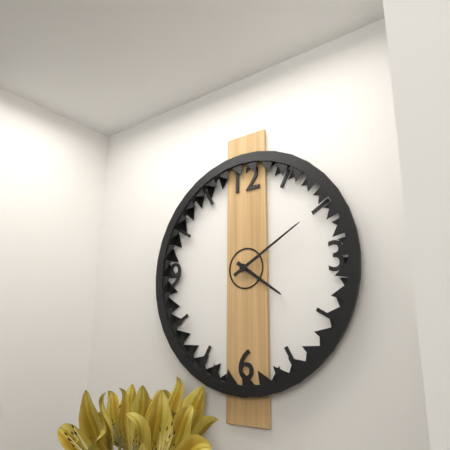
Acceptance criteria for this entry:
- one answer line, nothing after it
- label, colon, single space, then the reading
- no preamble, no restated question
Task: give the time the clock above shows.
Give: 4:10
